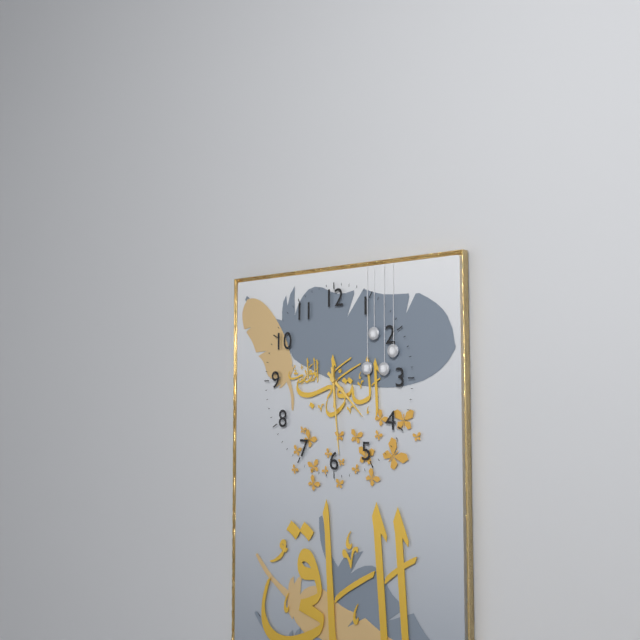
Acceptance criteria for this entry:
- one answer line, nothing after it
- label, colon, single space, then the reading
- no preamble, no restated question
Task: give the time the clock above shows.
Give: 4:29
